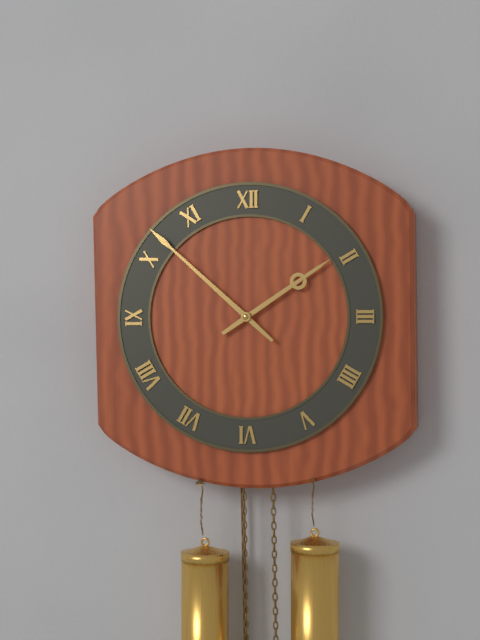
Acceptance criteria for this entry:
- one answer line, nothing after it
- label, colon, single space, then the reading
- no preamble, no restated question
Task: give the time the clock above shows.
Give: 1:52
